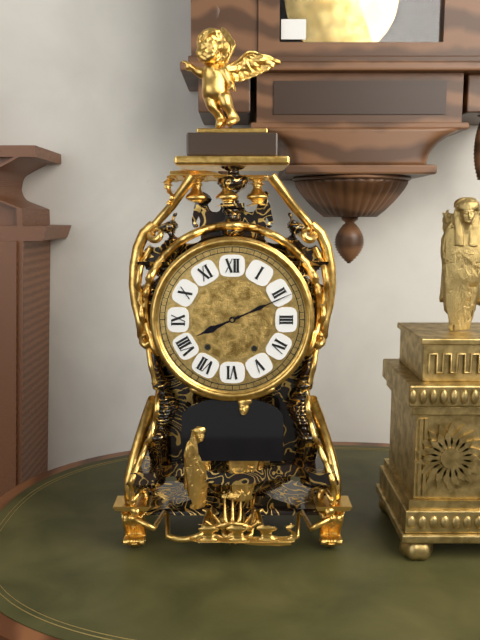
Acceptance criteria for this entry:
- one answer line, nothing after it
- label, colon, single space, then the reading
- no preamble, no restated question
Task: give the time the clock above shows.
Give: 8:11
